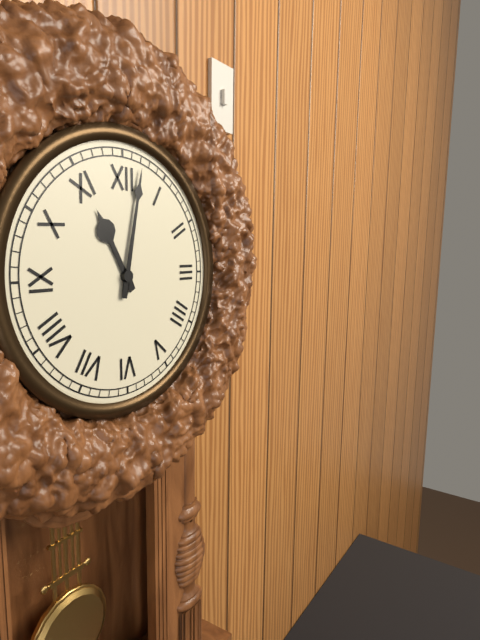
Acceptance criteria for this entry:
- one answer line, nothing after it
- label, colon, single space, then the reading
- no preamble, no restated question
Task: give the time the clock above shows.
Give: 11:02
